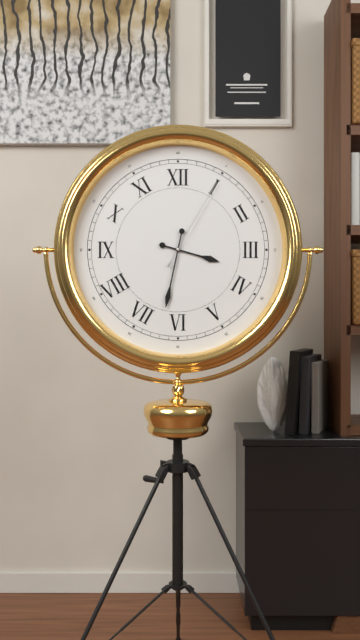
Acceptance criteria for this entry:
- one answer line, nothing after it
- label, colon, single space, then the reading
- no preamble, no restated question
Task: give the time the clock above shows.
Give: 3:32:05
